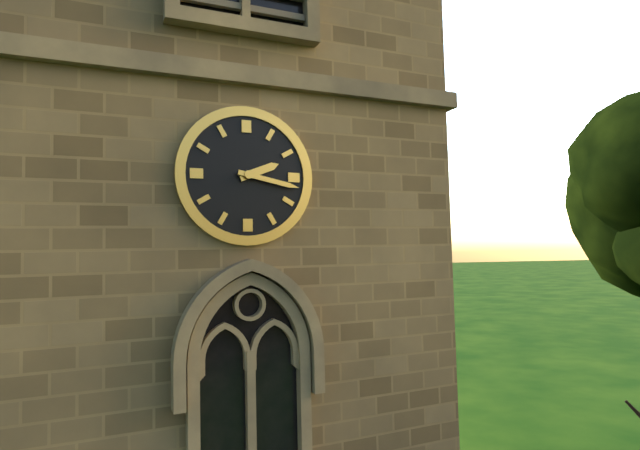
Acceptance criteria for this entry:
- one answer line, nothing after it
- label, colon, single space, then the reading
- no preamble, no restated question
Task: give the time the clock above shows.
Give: 2:17
